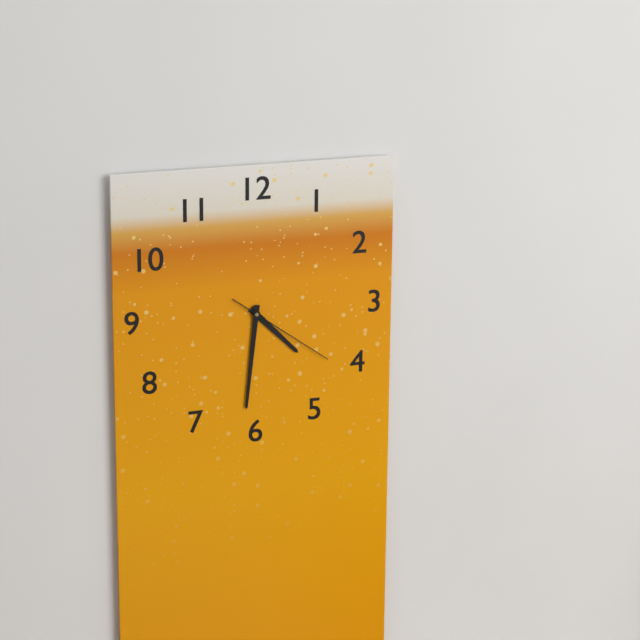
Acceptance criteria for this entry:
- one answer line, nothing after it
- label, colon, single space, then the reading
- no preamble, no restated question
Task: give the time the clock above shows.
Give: 4:31:21
